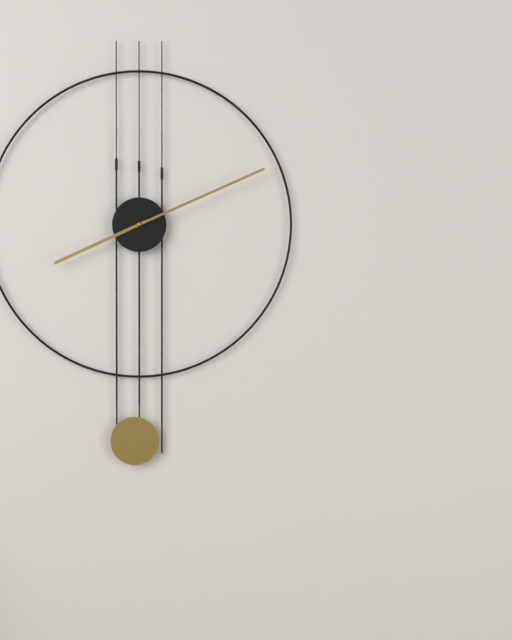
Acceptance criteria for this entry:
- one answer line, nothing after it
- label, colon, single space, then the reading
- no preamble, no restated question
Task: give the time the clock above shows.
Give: 8:11
